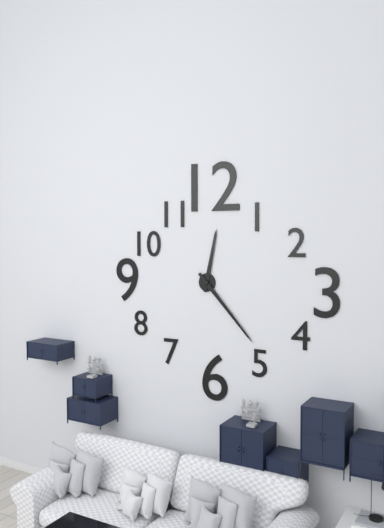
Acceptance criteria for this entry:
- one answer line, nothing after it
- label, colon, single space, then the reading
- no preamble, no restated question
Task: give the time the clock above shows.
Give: 12:23
